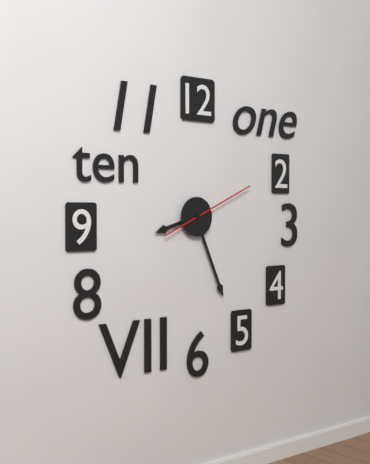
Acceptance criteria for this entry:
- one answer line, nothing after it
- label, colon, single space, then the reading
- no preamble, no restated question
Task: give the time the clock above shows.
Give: 8:26:11
